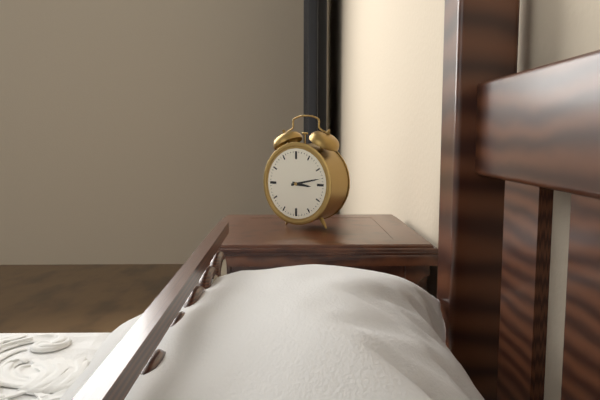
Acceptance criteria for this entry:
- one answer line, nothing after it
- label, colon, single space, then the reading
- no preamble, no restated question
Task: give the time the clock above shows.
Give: 3:13
